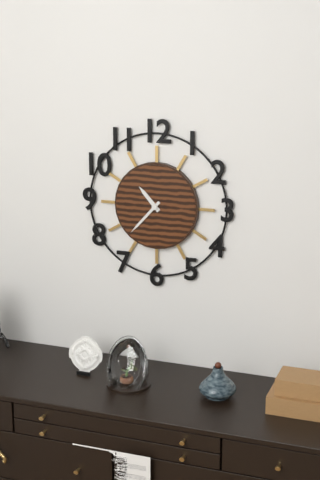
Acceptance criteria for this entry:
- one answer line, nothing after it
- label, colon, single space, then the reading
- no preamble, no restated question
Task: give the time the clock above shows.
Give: 10:37
